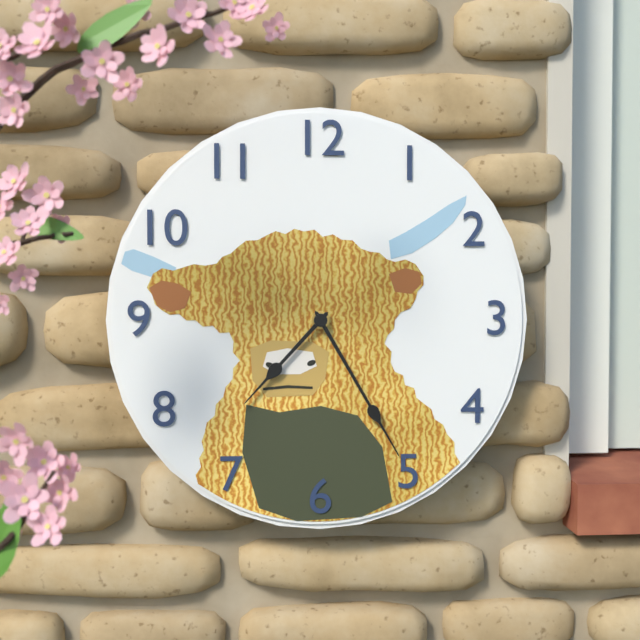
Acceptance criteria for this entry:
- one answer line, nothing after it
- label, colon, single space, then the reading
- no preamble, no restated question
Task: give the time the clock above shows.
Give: 7:25
